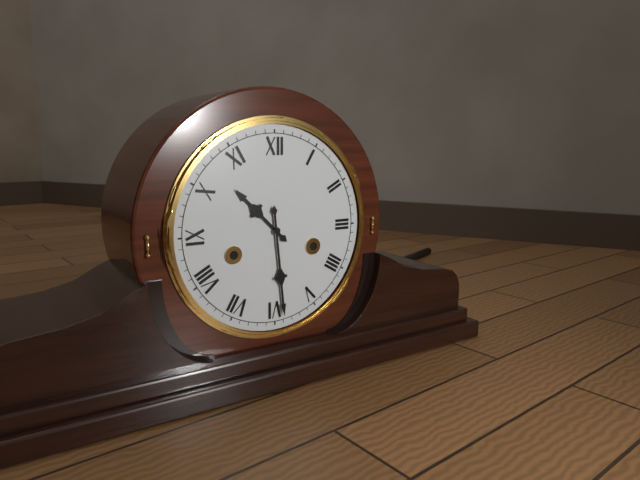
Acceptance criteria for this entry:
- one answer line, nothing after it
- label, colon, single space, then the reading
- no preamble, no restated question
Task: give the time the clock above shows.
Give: 10:29
